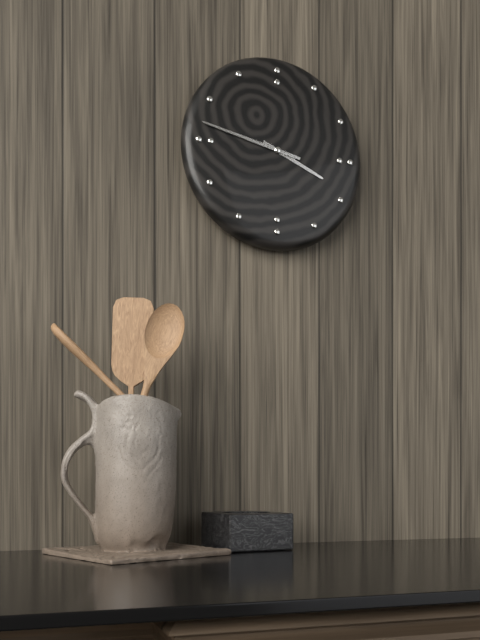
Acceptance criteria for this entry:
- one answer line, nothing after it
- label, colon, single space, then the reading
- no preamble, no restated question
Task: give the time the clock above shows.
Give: 3:47
